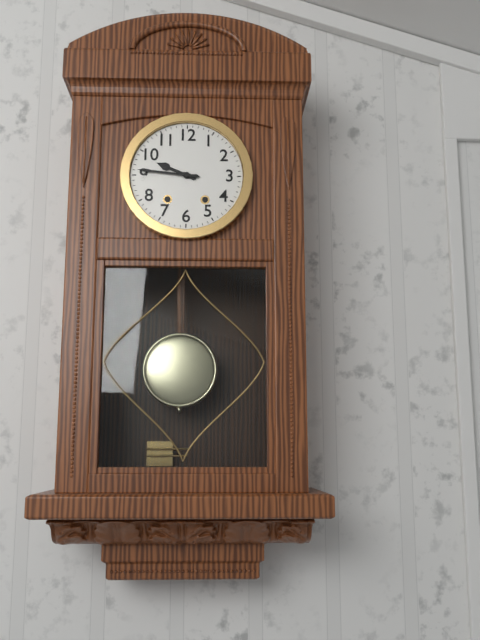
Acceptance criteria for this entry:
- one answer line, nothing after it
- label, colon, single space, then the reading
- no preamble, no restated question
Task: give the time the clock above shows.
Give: 9:46
